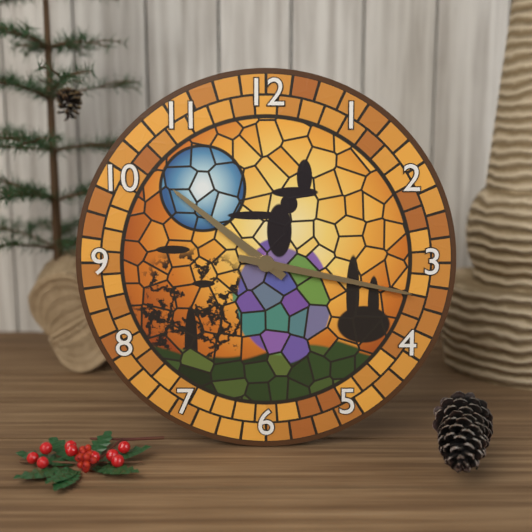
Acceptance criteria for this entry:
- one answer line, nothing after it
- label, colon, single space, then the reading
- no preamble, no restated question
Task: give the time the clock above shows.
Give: 10:17
